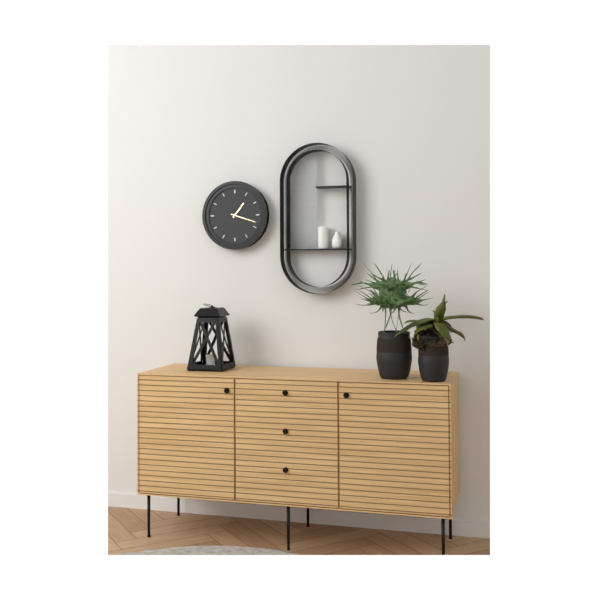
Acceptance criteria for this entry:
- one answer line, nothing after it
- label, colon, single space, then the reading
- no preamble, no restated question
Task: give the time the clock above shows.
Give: 1:18
